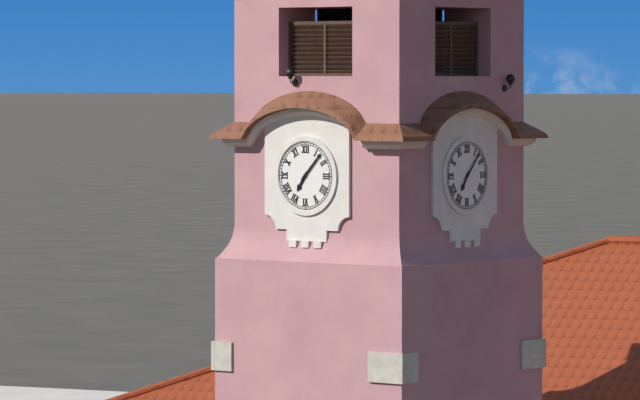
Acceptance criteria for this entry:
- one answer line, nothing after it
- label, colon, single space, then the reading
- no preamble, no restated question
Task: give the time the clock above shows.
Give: 7:07
